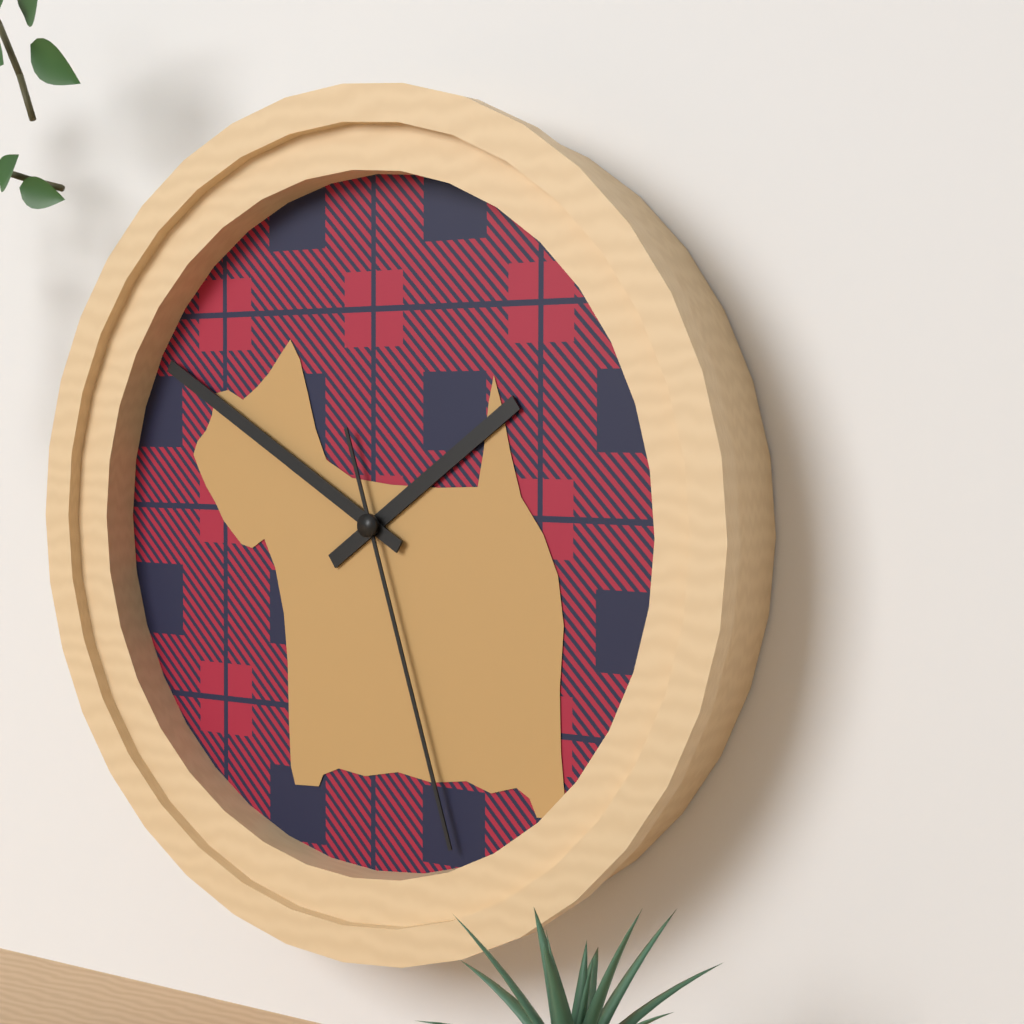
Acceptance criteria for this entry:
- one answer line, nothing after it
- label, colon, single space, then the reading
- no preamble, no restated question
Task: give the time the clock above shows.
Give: 1:50:27
